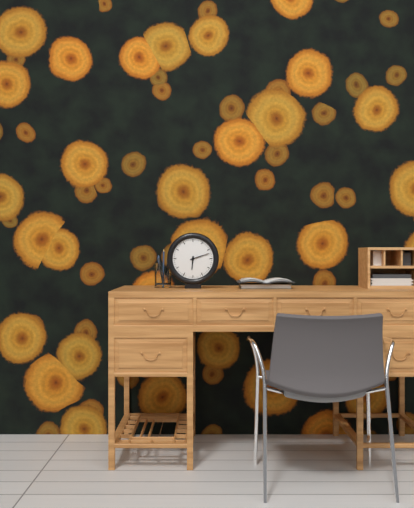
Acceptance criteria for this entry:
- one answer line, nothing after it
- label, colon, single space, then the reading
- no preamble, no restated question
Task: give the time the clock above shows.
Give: 6:12
